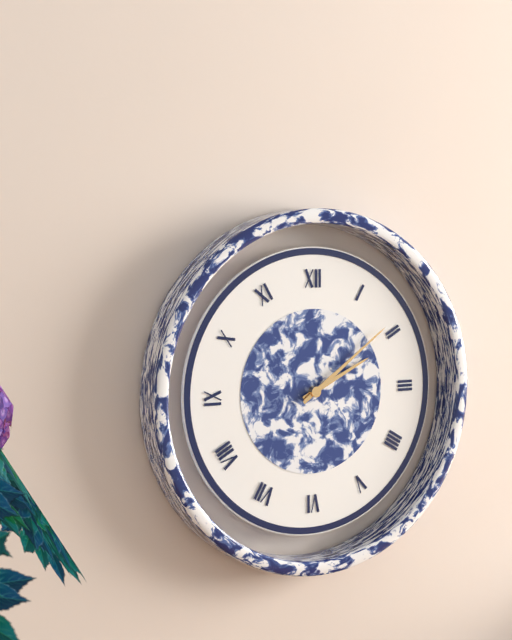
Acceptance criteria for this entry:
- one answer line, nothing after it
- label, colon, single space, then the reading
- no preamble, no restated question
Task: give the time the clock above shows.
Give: 2:09
